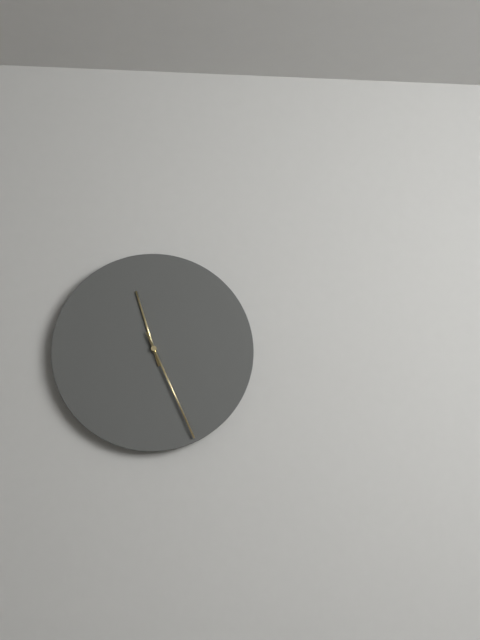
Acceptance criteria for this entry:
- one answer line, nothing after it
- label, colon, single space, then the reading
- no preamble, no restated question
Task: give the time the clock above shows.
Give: 11:26
